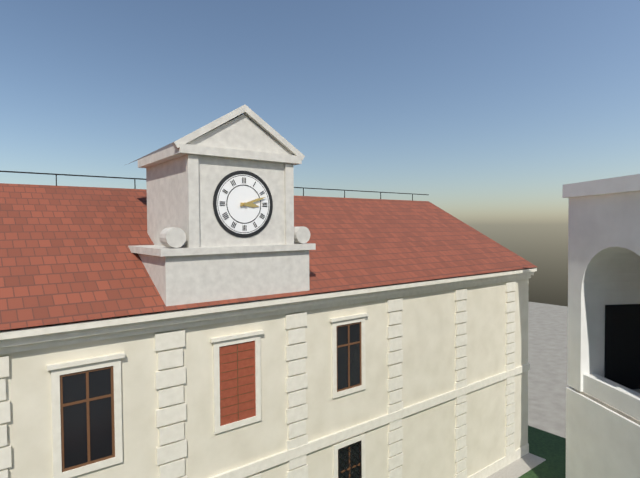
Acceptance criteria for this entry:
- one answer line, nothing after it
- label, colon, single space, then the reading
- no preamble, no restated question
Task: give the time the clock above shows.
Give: 3:12
